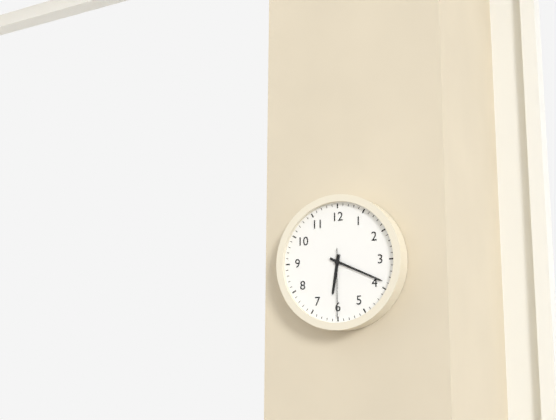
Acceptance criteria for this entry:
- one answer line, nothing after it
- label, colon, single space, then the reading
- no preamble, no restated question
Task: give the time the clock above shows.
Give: 6:19:30
